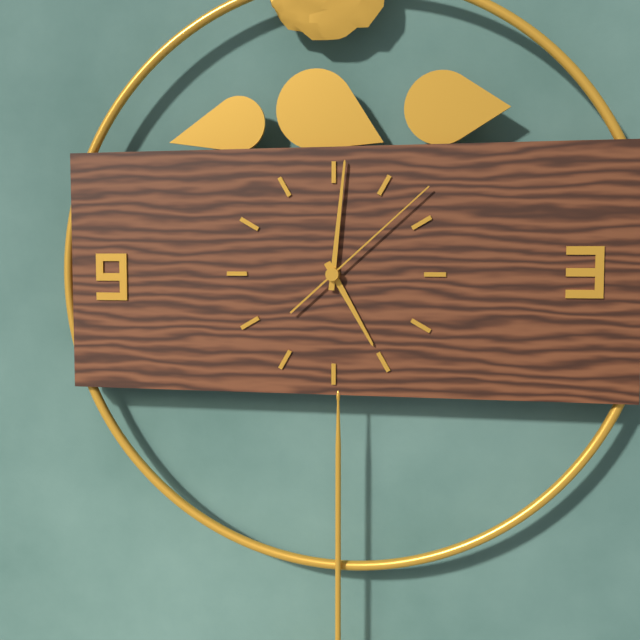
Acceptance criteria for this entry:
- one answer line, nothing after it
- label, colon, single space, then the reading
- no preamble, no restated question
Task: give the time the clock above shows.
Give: 5:01:08
